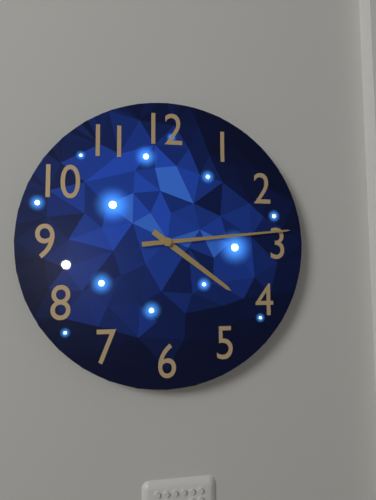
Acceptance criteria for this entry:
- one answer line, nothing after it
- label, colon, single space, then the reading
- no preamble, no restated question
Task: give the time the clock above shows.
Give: 4:14
